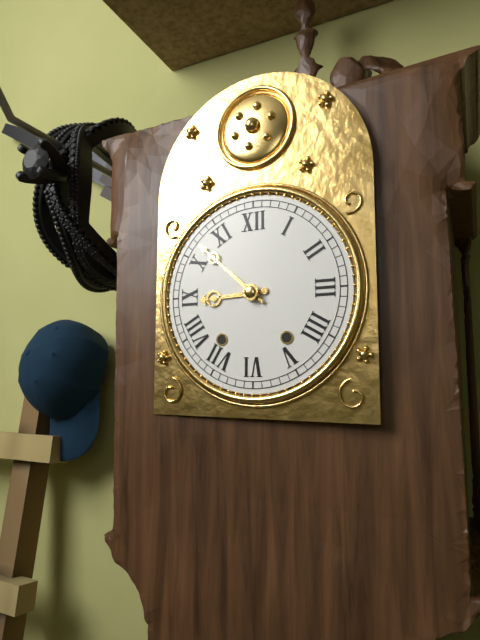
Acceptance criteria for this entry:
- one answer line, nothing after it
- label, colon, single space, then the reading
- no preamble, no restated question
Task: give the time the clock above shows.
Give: 8:52
